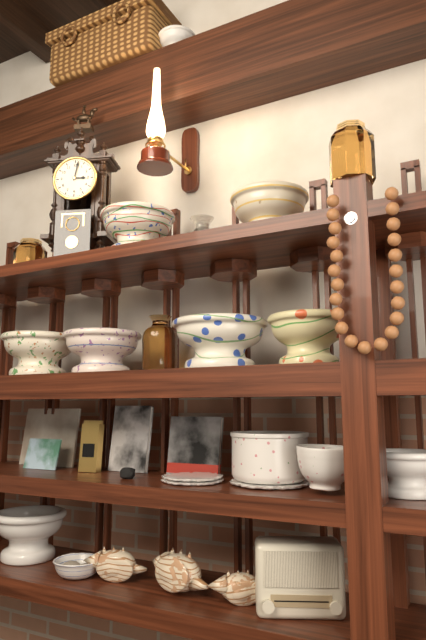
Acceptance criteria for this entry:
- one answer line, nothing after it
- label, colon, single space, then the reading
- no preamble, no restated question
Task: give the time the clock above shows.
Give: 3:02
